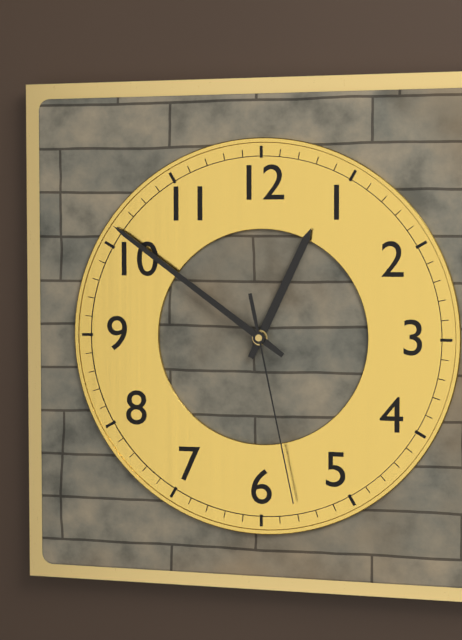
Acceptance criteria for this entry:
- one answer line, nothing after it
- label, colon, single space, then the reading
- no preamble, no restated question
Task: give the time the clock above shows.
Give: 12:51:28
